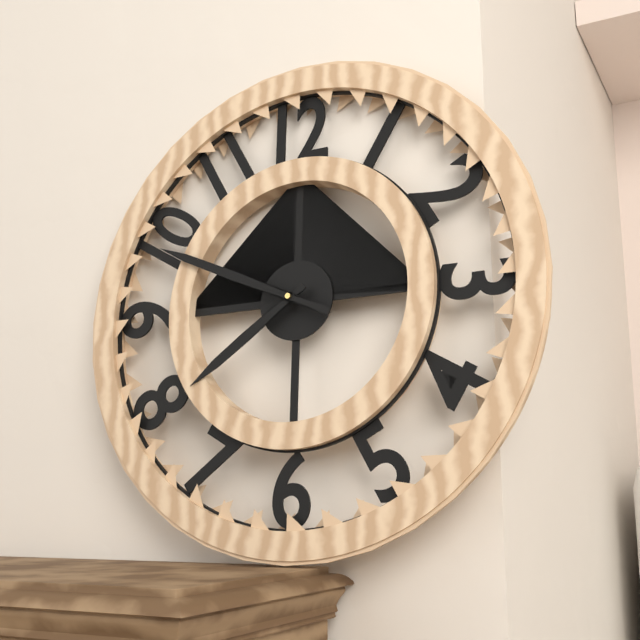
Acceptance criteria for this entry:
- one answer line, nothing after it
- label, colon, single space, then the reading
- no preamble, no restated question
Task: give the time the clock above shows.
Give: 7:49
